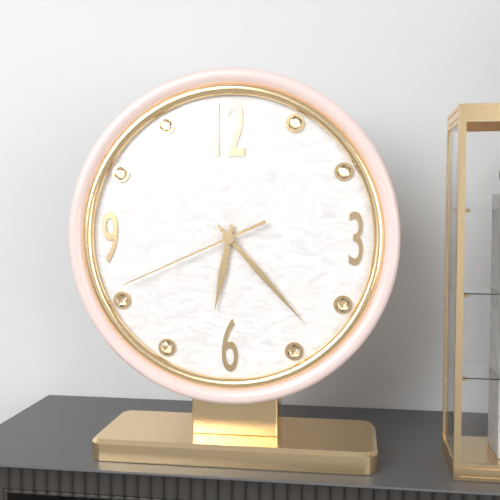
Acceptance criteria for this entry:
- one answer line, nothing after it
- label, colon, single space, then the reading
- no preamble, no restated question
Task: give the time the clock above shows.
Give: 6:23:41
